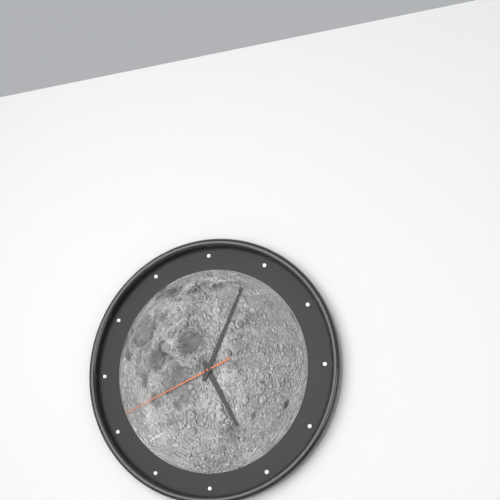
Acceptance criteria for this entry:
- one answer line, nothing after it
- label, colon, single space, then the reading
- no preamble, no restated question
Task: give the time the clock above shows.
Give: 5:04:41
